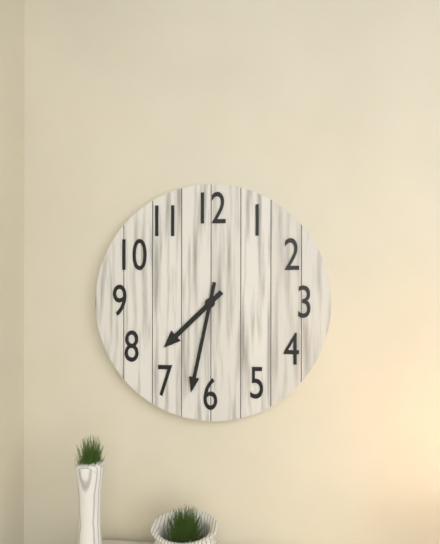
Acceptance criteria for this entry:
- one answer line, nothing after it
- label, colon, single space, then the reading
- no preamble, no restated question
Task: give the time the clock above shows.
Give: 7:32
